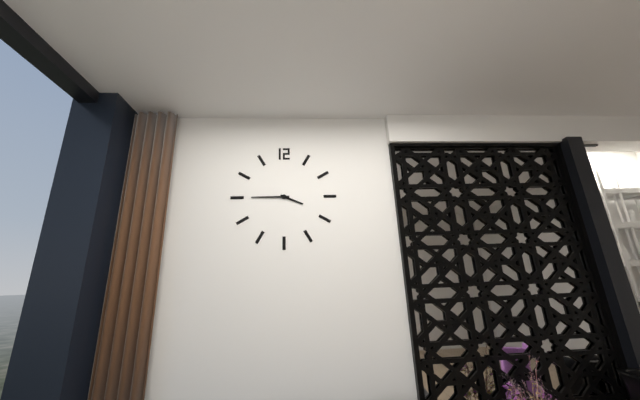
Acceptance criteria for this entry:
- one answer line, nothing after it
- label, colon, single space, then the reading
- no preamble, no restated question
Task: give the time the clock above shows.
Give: 3:45
